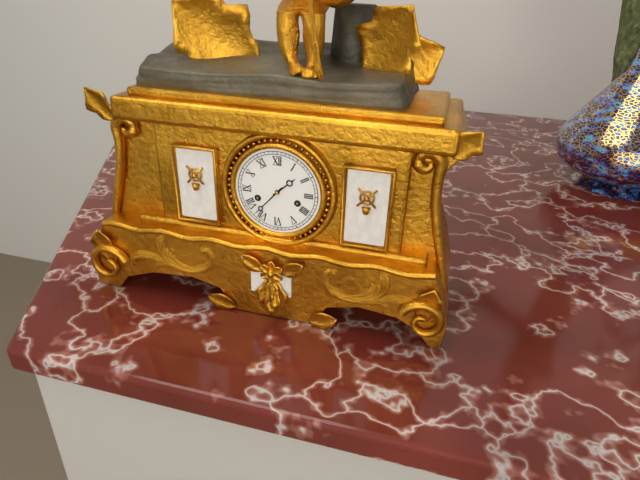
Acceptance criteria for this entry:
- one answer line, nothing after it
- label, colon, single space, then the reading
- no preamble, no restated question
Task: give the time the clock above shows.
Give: 1:37
